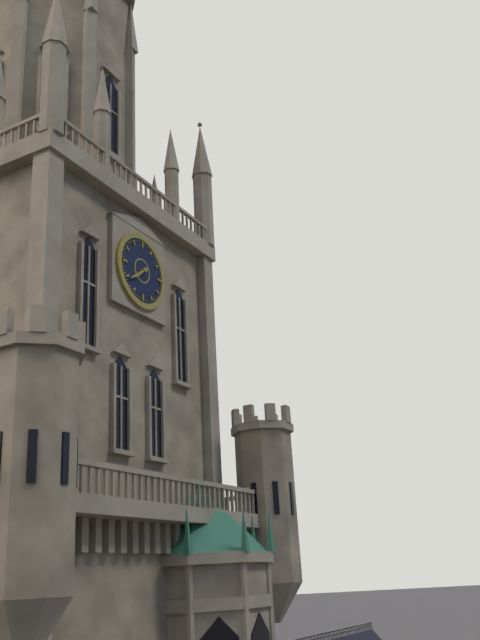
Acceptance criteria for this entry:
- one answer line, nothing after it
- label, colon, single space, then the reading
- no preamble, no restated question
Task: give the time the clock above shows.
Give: 7:39
